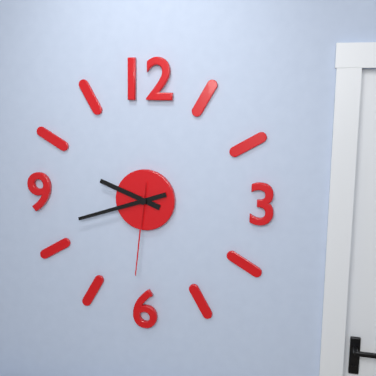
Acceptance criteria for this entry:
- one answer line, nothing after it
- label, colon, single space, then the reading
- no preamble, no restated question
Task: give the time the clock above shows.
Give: 9:42:31
